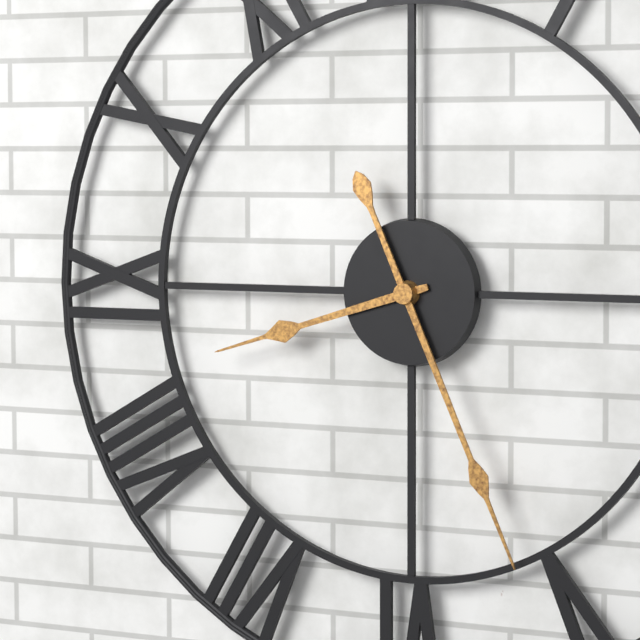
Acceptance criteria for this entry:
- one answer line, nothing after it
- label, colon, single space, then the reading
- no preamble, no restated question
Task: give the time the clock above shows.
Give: 8:26
